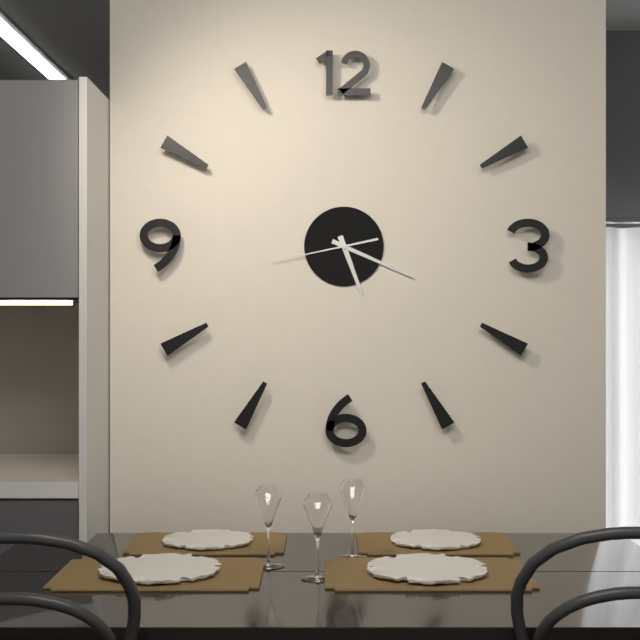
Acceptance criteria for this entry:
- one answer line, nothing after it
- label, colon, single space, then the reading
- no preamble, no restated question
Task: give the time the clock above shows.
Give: 5:19:43
